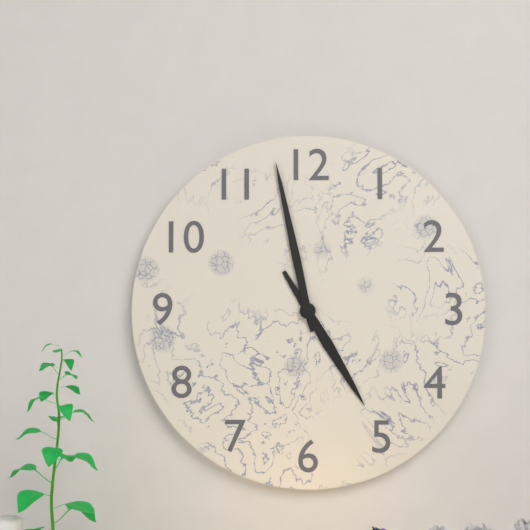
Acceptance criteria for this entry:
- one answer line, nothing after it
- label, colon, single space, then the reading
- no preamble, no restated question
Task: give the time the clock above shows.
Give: 4:58
